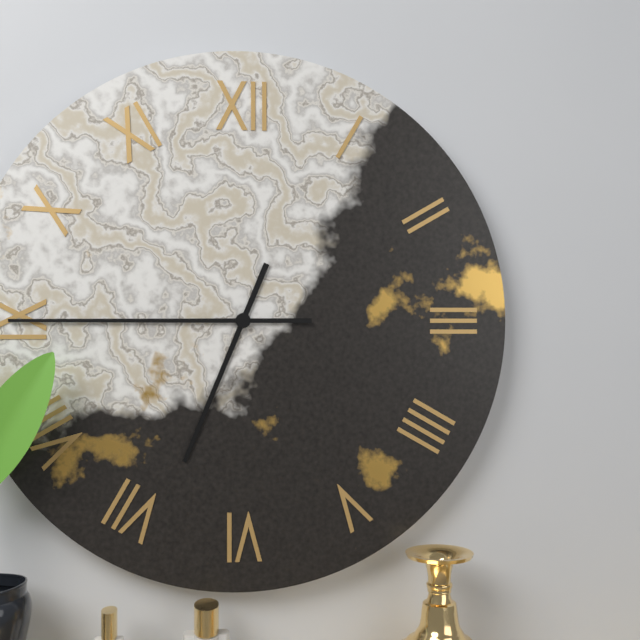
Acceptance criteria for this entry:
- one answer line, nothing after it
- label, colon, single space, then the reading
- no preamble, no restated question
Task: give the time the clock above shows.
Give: 6:45
